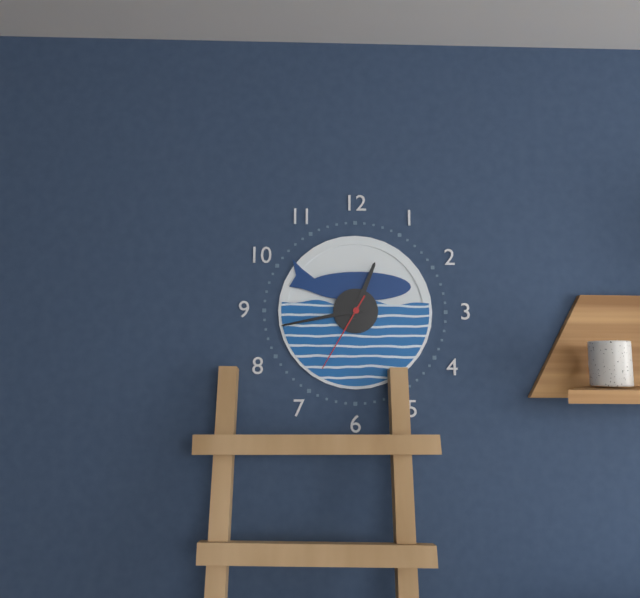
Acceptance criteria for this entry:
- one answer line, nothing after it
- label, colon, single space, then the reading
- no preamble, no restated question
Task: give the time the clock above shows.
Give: 12:43:35
